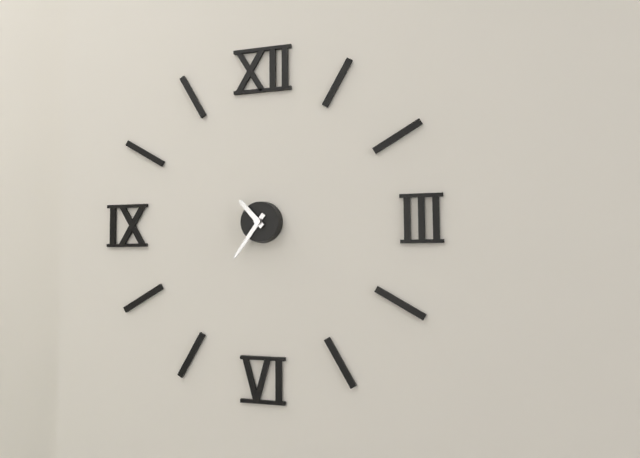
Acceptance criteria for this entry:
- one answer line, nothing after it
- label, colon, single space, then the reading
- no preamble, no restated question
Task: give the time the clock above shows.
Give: 10:36
